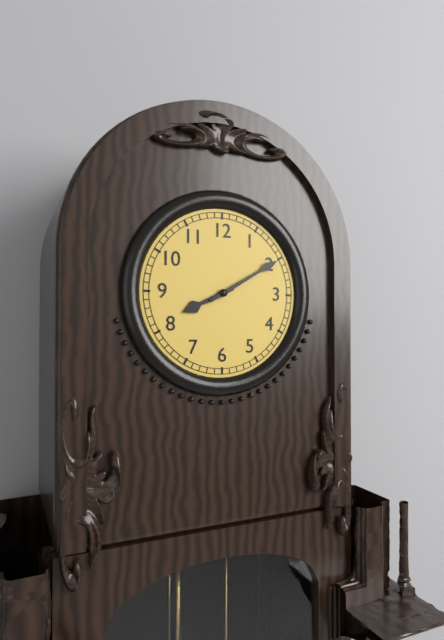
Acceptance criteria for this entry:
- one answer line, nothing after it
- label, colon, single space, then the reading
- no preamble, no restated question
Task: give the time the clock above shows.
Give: 8:10
